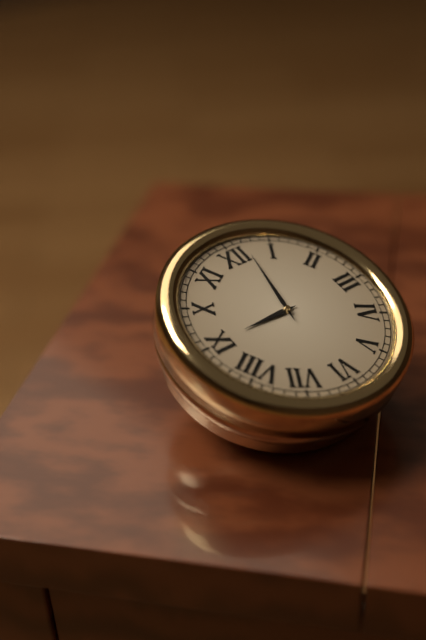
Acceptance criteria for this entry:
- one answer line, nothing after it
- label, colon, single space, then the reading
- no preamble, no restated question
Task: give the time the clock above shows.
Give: 9:02
